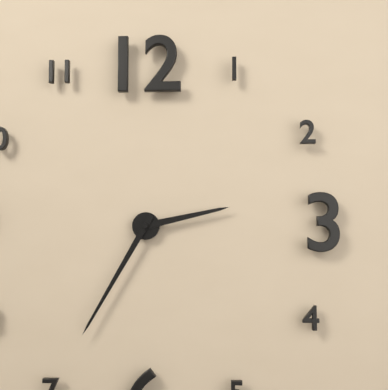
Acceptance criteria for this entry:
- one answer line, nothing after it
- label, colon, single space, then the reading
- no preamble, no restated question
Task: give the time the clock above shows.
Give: 2:35
